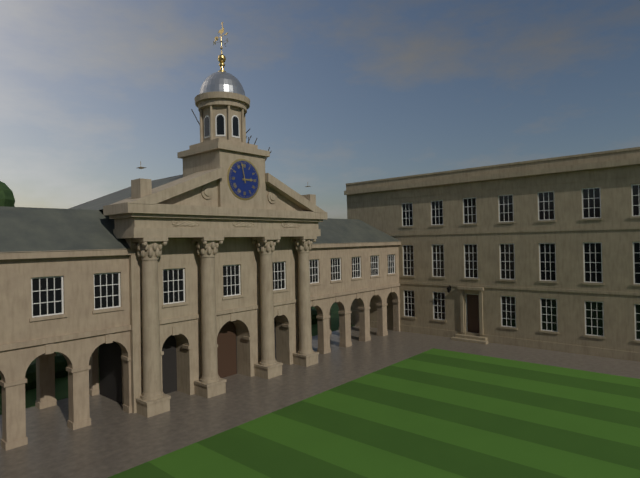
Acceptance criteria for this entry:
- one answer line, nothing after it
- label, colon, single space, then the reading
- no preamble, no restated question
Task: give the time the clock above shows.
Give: 2:58
